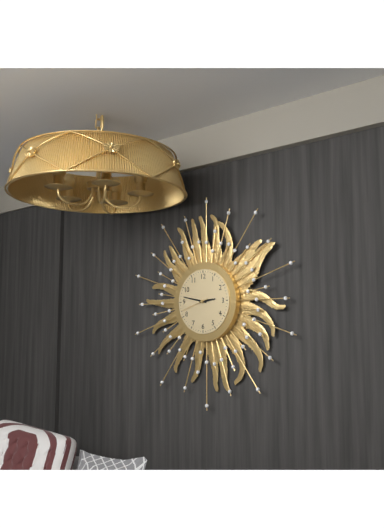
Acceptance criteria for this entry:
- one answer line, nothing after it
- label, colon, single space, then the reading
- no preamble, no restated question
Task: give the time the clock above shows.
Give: 2:47
